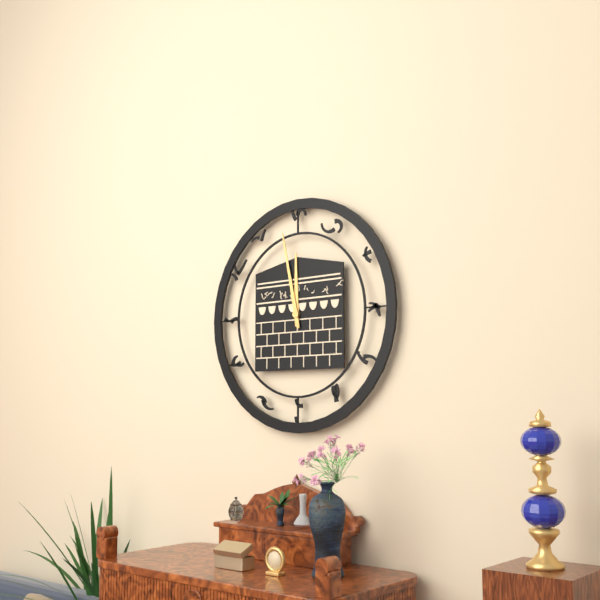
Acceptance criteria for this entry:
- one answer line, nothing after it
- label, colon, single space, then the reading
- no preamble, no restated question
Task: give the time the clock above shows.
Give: 11:58
